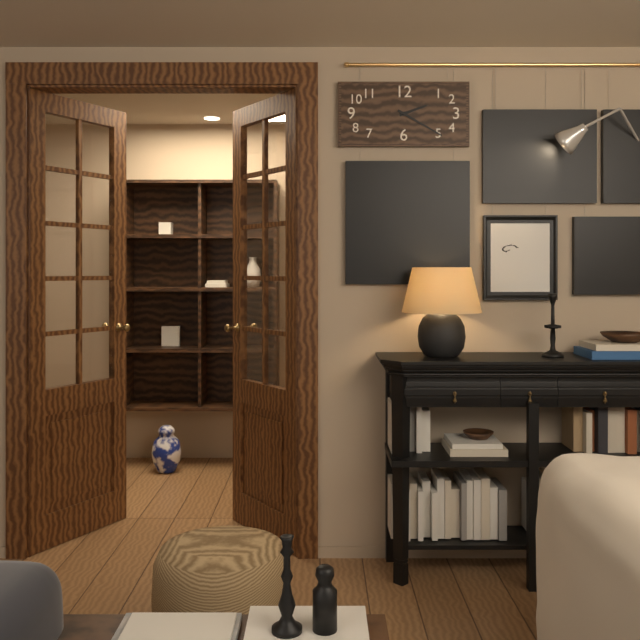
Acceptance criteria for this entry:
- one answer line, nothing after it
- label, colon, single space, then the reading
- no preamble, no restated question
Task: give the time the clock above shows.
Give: 2:20
